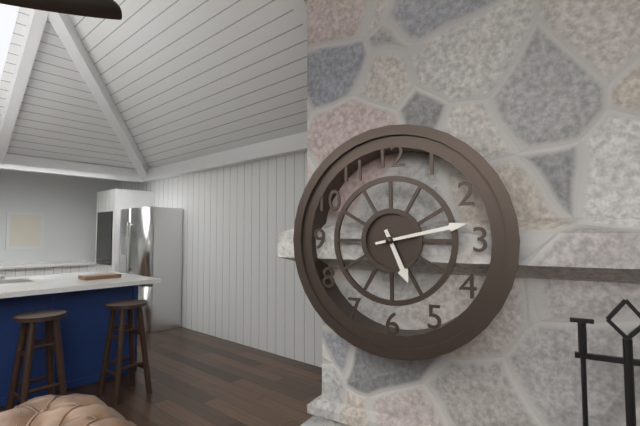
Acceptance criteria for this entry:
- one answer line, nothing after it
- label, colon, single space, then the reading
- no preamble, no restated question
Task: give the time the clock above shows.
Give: 5:13
